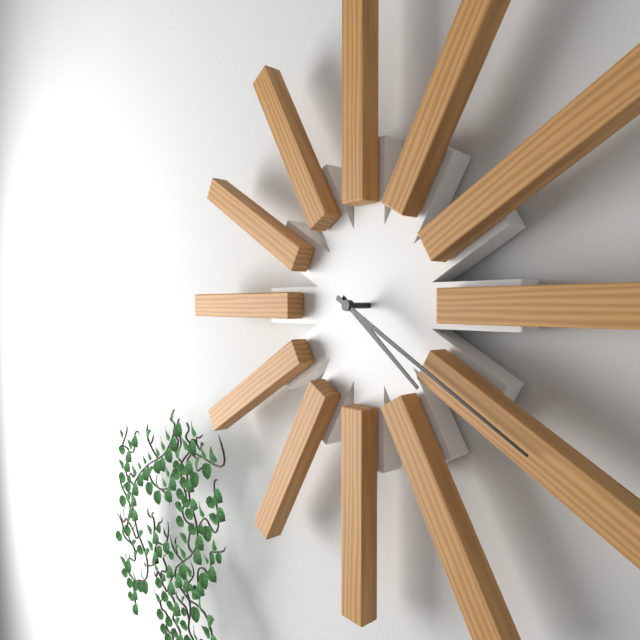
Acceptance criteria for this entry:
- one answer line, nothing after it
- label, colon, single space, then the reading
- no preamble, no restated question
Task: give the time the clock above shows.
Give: 4:20
